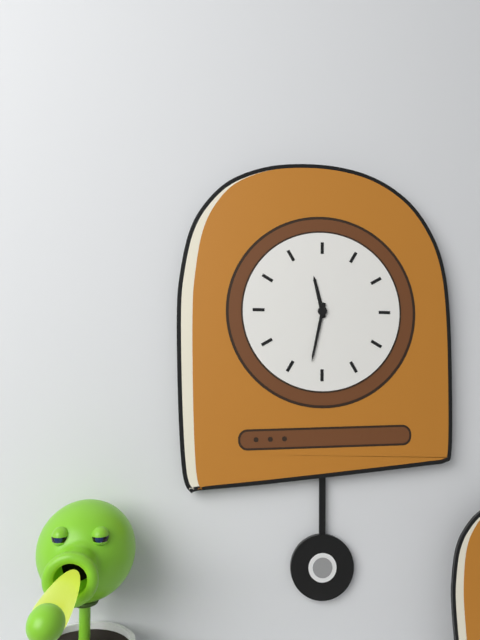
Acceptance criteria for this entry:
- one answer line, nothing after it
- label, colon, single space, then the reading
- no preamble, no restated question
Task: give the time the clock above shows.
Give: 11:32
